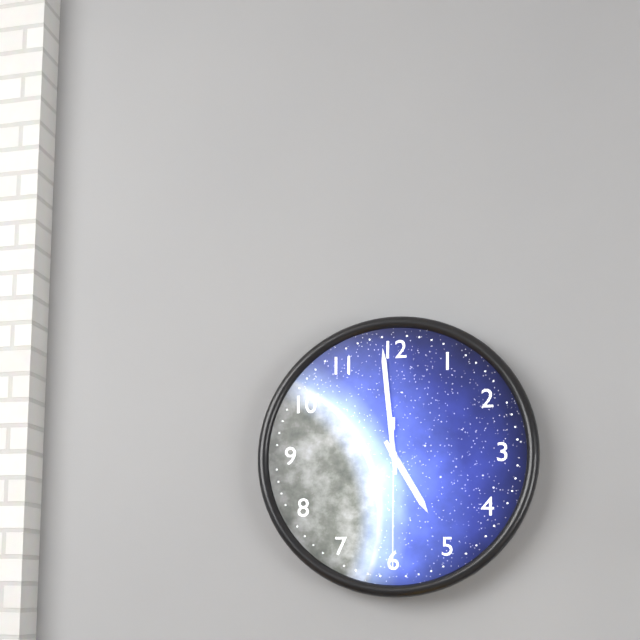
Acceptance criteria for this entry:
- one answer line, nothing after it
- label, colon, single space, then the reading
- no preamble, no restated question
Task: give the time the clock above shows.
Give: 4:59:30
